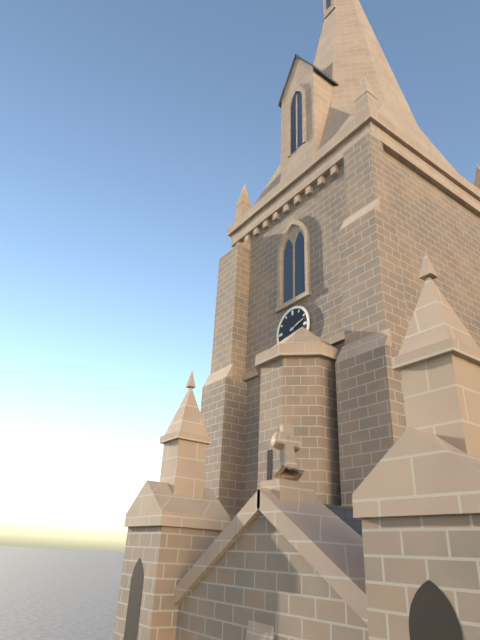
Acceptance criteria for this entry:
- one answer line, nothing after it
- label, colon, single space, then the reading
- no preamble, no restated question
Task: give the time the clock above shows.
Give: 2:12
